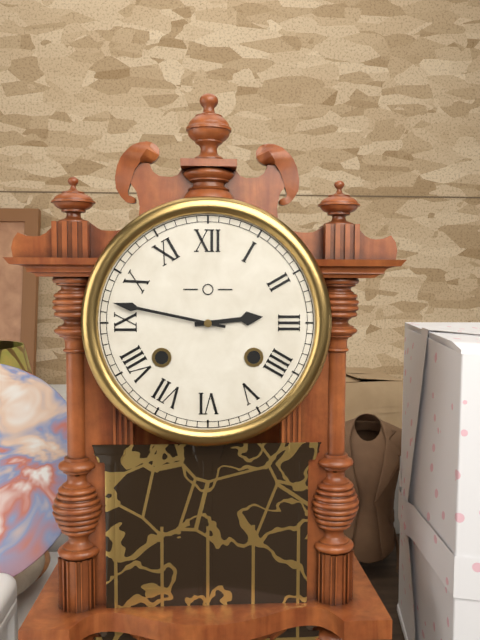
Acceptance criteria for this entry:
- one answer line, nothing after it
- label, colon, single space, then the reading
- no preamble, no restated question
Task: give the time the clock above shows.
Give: 2:47
